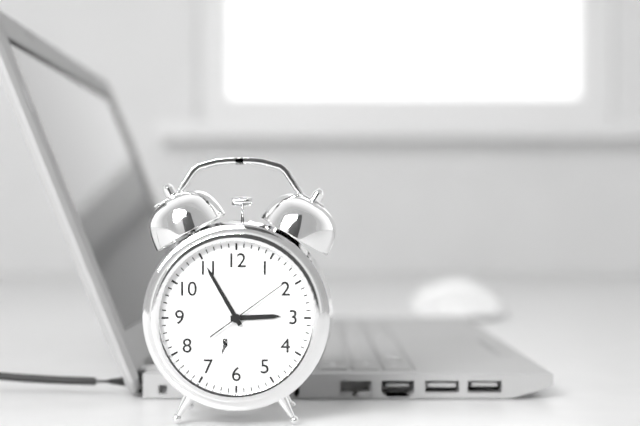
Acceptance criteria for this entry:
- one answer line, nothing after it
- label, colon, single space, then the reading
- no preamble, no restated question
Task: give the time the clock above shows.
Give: 2:55:09
